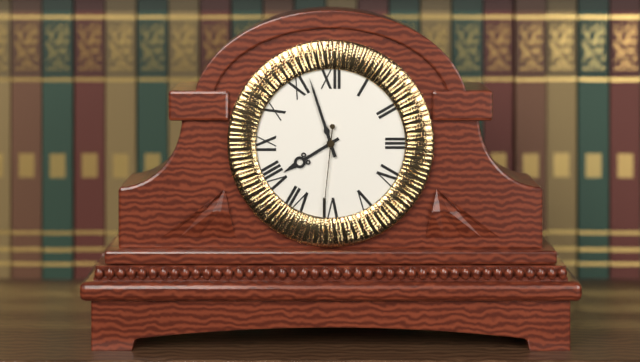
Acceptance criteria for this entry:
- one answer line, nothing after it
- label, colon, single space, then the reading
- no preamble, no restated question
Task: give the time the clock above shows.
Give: 7:57:31
